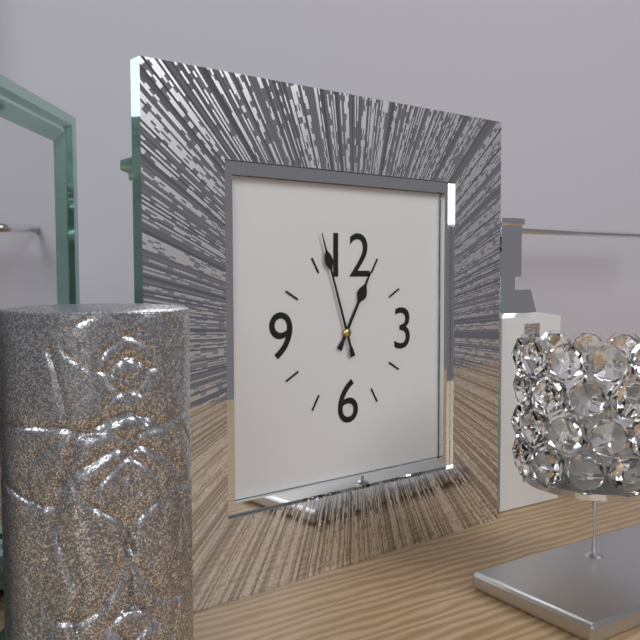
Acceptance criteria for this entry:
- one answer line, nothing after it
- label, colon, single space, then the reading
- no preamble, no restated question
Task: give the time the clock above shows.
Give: 12:57
